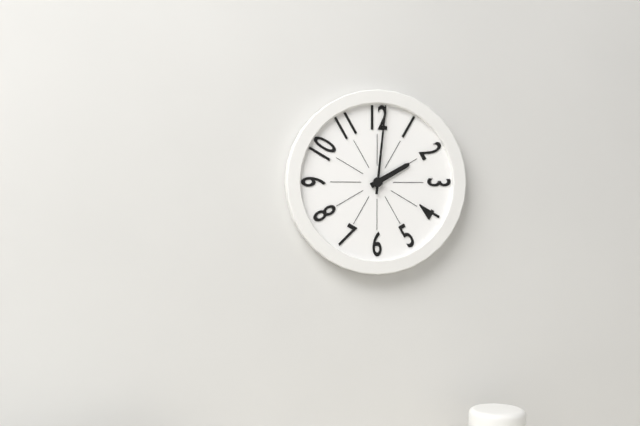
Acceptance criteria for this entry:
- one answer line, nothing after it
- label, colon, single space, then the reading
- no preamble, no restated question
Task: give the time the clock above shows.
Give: 2:01
